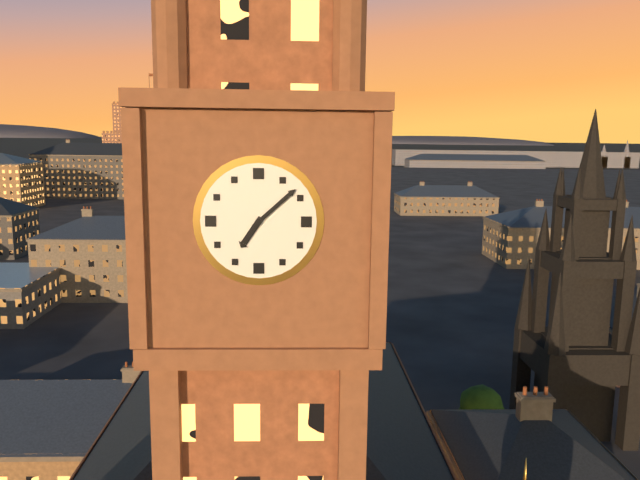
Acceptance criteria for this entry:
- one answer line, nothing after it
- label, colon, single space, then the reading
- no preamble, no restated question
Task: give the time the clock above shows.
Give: 7:08
